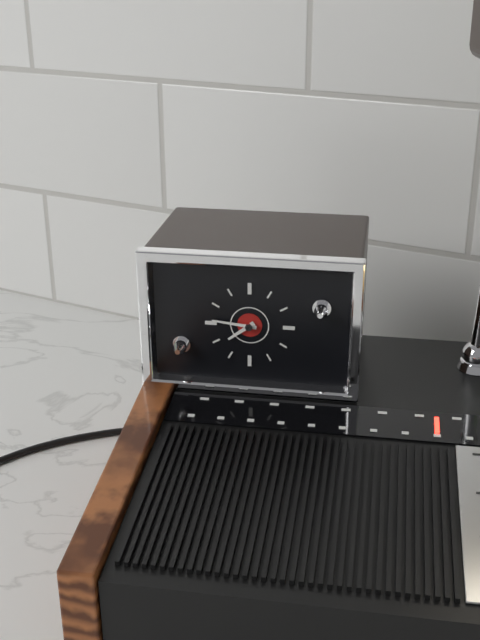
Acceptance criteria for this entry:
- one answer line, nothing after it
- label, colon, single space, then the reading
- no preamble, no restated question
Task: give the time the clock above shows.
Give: 7:46
